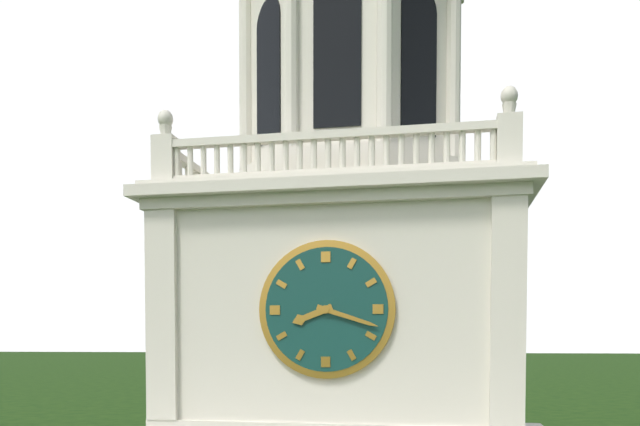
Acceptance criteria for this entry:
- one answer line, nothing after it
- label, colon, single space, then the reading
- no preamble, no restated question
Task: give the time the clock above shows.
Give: 8:18
